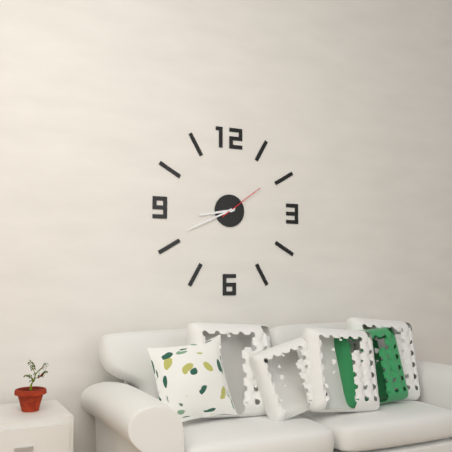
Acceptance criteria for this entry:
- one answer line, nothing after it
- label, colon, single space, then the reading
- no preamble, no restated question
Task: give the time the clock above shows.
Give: 8:41
